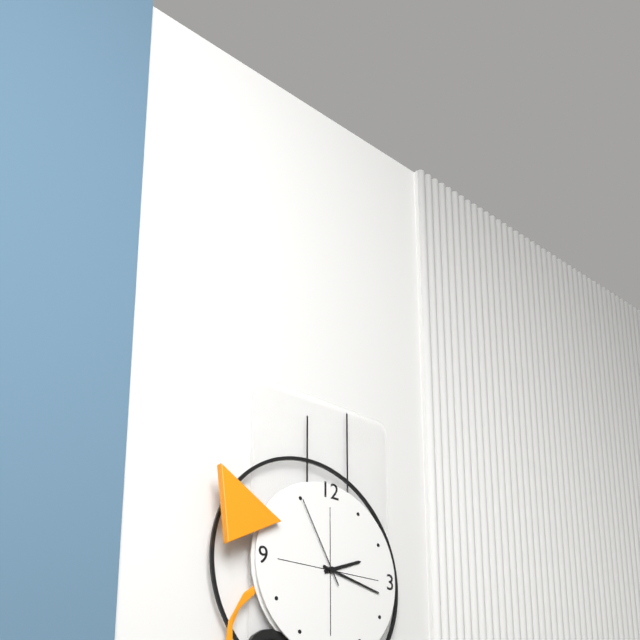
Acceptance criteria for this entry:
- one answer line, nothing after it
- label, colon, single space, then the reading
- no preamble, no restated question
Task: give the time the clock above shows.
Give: 2:17:55
